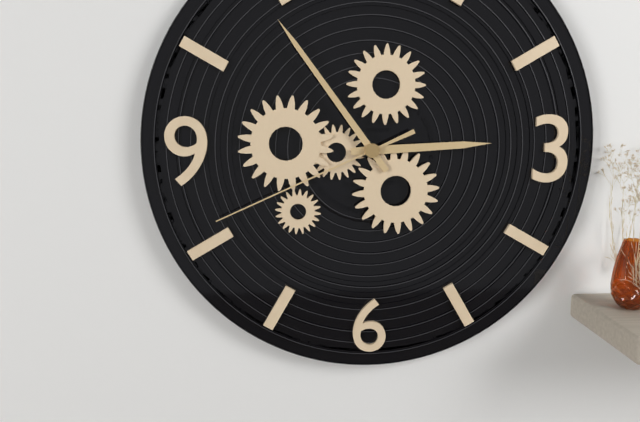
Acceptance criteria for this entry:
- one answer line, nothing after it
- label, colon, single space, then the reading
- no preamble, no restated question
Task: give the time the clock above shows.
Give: 2:54:41
